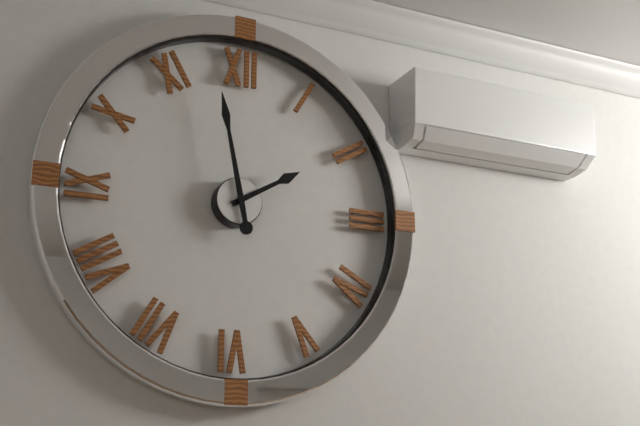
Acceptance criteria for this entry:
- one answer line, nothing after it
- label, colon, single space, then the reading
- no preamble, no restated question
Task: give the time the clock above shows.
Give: 1:58
